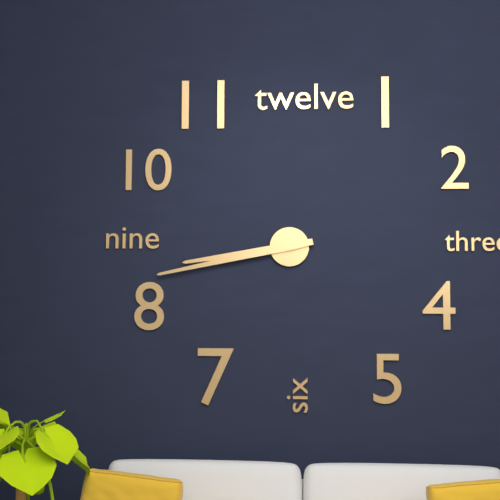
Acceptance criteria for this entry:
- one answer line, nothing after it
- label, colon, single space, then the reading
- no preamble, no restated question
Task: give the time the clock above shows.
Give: 8:43
